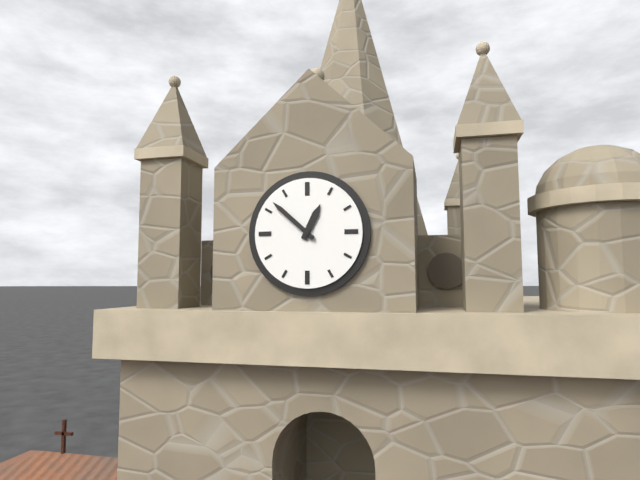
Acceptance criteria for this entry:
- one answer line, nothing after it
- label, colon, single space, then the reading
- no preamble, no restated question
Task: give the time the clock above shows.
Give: 12:52
